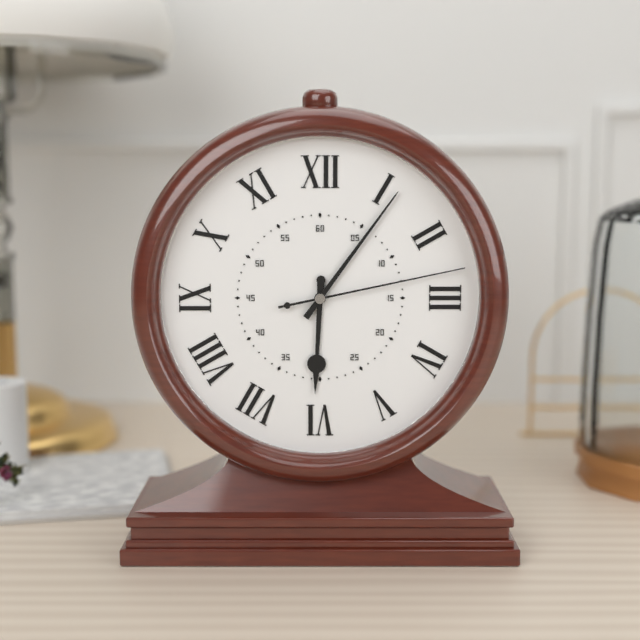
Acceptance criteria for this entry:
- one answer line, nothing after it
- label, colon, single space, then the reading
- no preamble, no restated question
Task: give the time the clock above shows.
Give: 6:06:13
